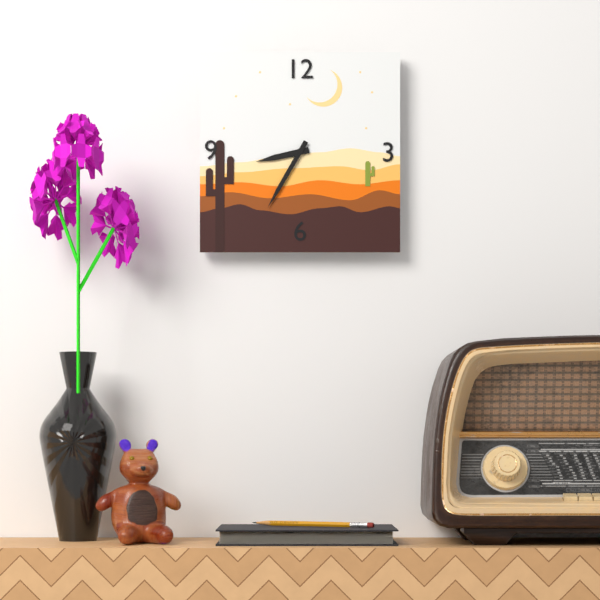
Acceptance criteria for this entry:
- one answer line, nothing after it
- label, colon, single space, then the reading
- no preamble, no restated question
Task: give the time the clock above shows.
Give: 8:35
